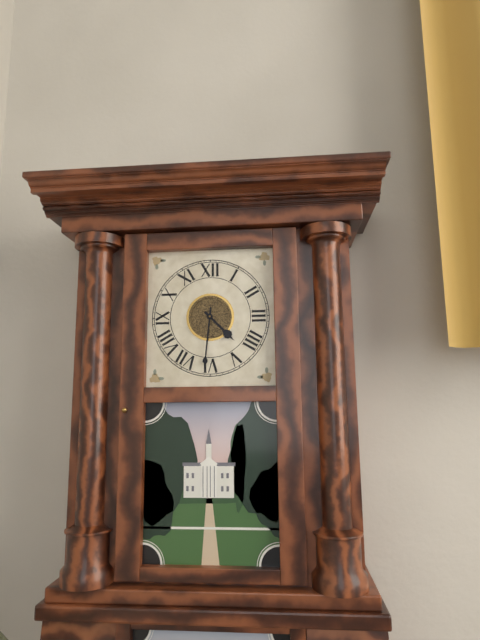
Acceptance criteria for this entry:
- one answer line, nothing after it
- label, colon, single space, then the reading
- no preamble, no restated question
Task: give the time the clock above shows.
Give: 4:31
